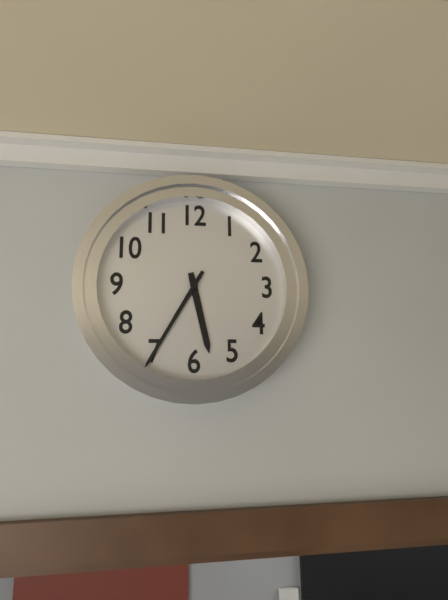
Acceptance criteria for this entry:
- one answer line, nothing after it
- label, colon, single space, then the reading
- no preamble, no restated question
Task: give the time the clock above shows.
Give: 5:35
